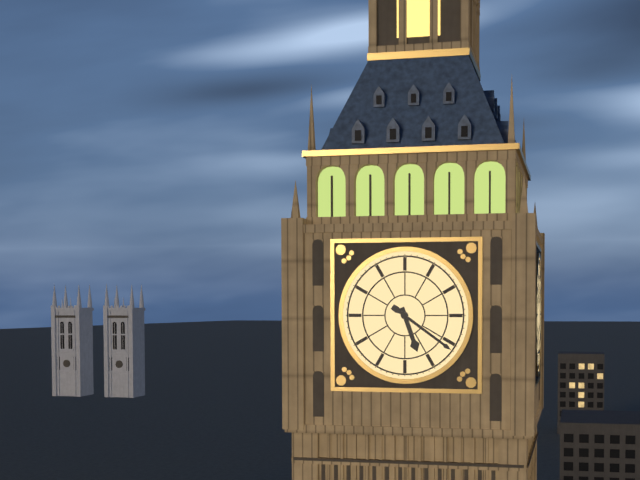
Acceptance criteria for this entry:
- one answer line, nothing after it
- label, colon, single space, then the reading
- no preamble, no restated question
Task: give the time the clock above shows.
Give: 5:21
